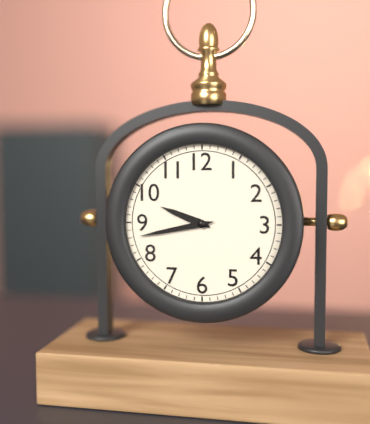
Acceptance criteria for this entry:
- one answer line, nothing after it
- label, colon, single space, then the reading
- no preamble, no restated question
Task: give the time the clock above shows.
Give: 9:43
